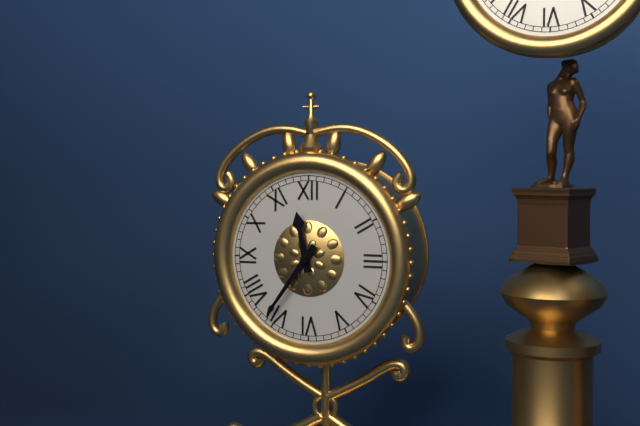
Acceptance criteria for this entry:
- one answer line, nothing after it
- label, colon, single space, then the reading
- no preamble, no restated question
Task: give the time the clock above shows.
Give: 11:36
